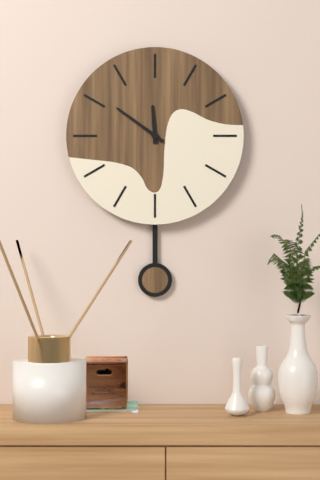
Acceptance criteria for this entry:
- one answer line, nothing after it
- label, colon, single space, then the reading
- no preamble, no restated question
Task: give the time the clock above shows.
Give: 11:51
